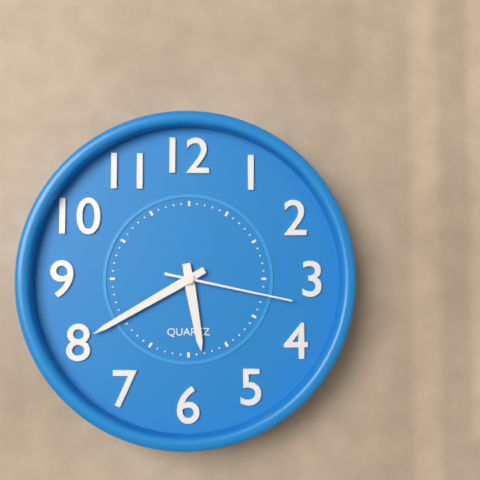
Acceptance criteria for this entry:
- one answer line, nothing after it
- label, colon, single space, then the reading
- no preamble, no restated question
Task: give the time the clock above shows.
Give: 5:40:17
